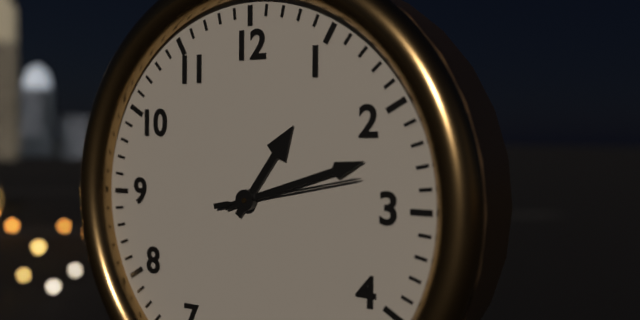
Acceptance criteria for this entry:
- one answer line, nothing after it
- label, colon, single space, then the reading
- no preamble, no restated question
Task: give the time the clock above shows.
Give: 1:12:13
